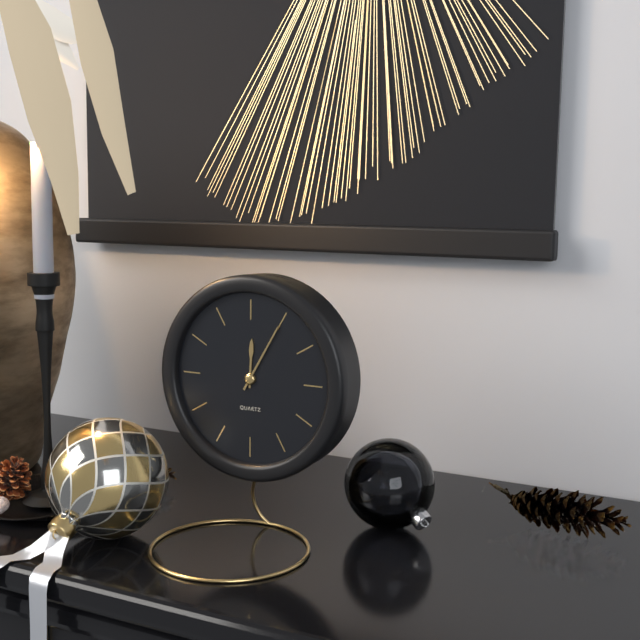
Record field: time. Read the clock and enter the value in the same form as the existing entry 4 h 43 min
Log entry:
12 h 05 min
